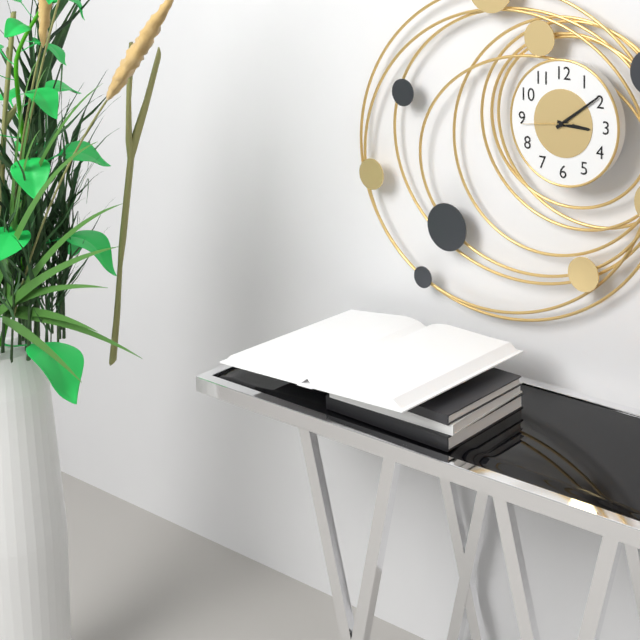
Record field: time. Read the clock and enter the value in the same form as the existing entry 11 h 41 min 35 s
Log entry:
3 h 09 min 44 s
